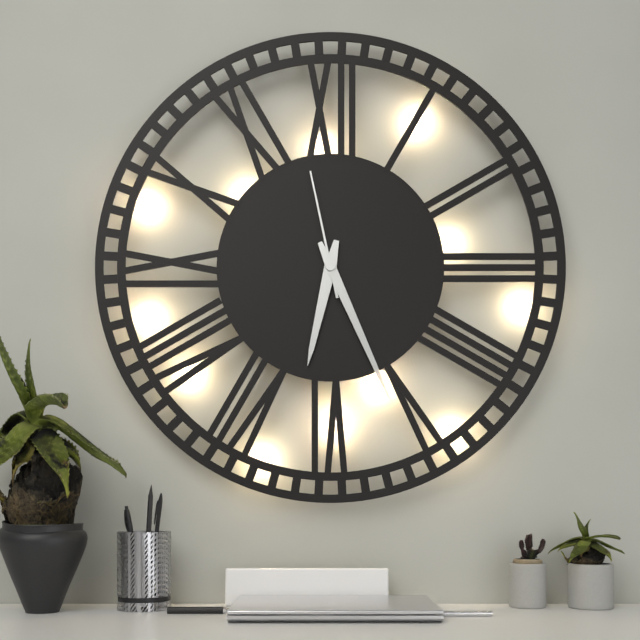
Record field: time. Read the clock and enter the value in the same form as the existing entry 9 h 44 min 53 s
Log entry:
6 h 26 min 58 s
